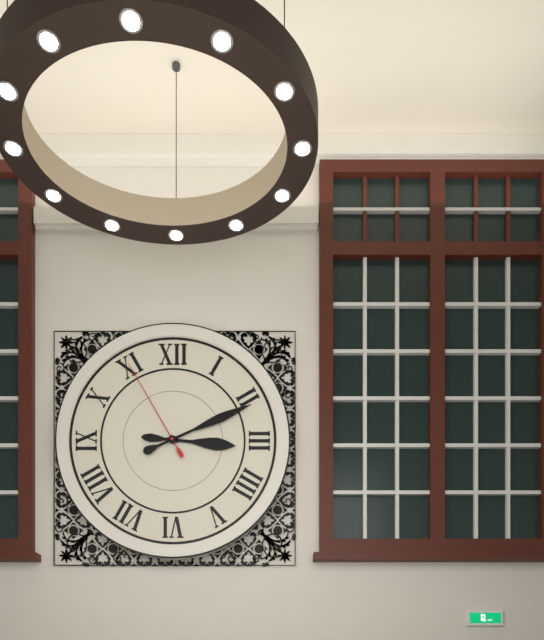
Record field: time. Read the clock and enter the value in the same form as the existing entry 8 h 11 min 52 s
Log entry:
3 h 11 min 55 s
